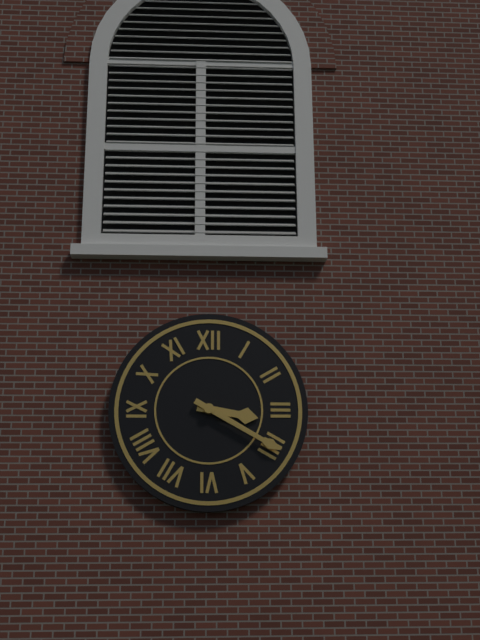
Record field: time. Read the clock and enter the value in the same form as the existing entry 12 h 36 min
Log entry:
3 h 20 min
